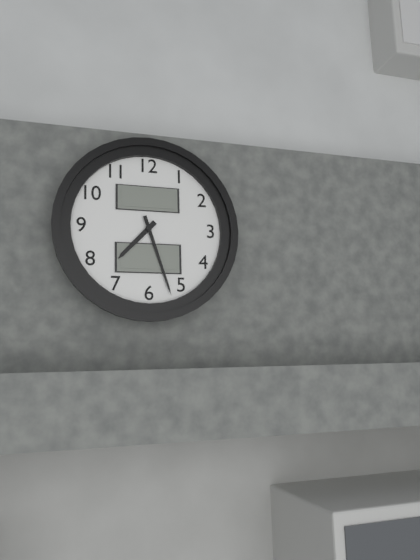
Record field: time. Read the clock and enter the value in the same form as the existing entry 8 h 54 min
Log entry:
7 h 27 min
